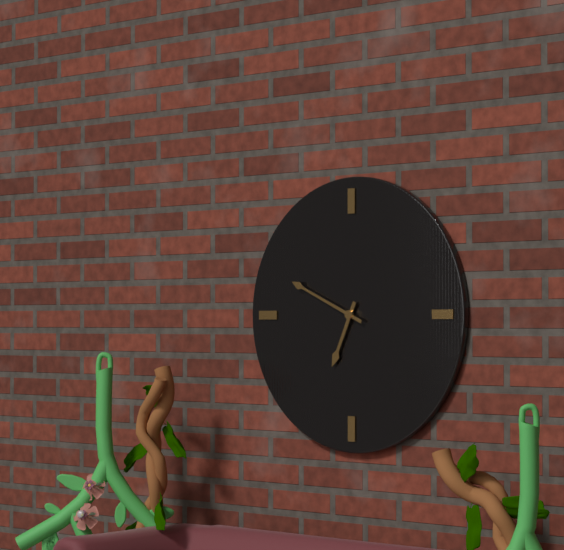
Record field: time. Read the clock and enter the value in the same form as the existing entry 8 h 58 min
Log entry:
6 h 49 min
